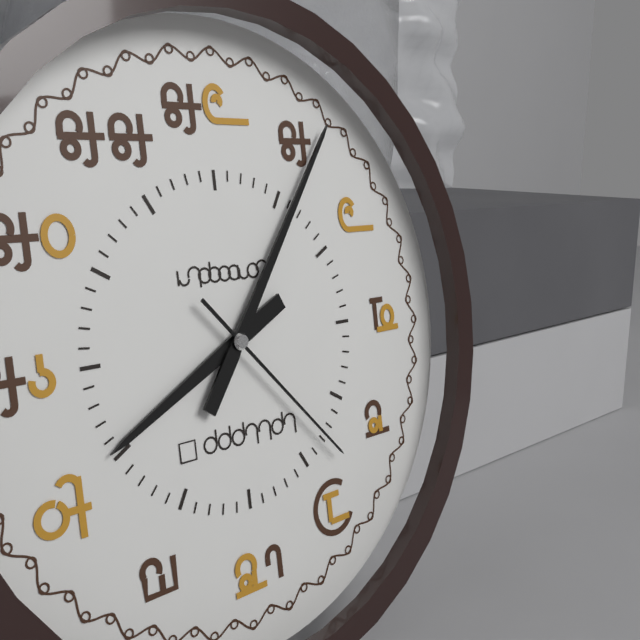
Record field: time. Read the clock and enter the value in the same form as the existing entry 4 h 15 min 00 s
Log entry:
8 h 06 min 23 s
